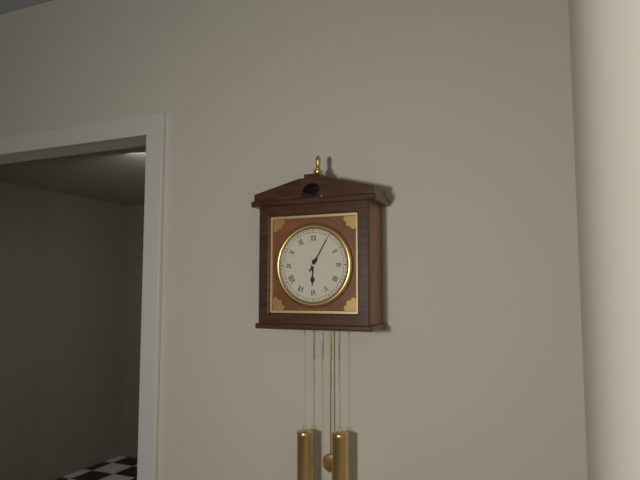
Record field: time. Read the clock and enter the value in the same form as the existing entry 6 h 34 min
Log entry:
6 h 05 min
